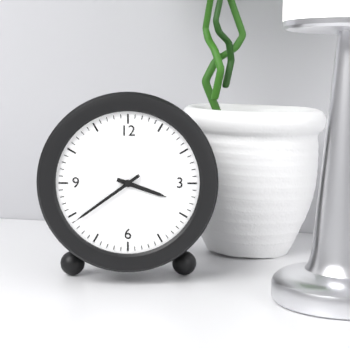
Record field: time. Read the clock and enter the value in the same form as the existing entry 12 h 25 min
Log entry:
3 h 39 min
